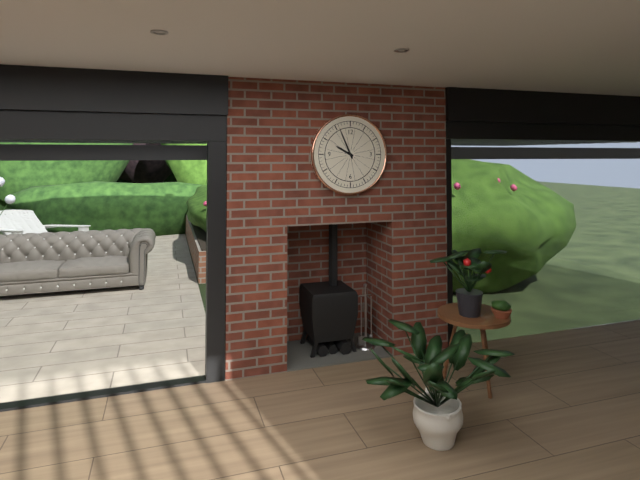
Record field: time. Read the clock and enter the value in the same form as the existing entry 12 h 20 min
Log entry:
9 h 56 min
